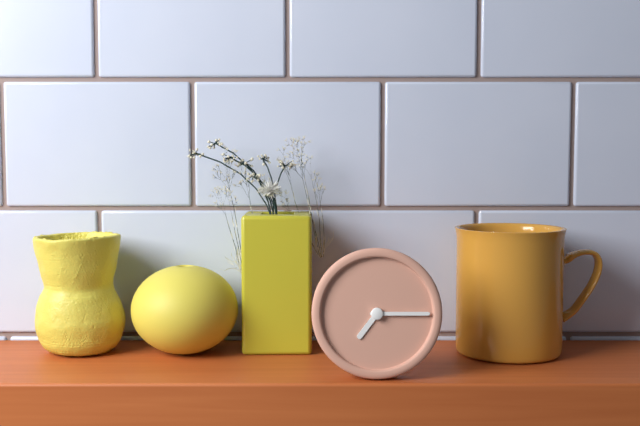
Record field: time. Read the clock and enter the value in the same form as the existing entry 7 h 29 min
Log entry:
7 h 15 min
